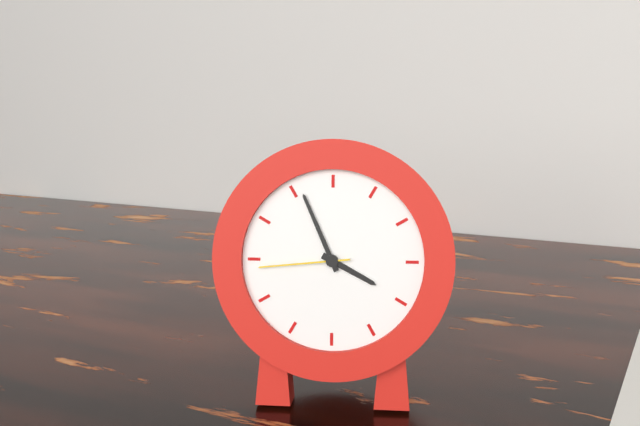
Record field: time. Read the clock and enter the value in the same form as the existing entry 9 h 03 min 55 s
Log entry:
3 h 56 min 44 s
